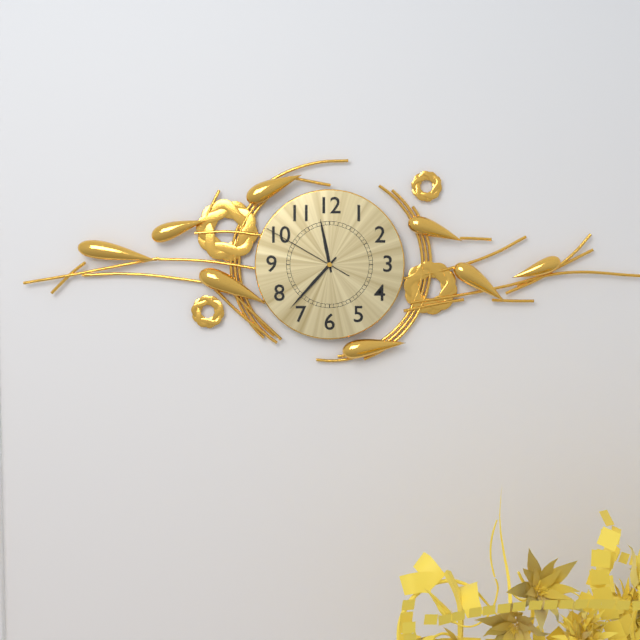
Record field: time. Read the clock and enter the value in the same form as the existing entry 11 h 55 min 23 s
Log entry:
11 h 37 min 50 s
